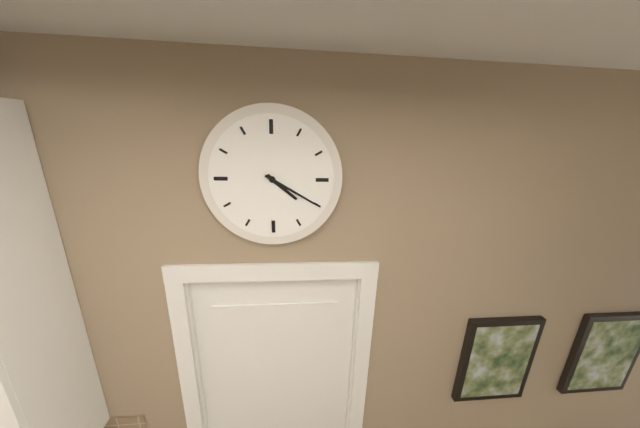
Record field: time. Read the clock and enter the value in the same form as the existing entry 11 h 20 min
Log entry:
4 h 20 min
